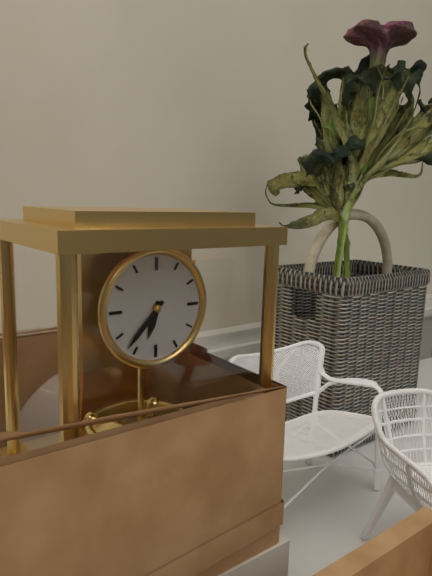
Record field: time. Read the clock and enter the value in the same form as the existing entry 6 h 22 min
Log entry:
6 h 37 min
